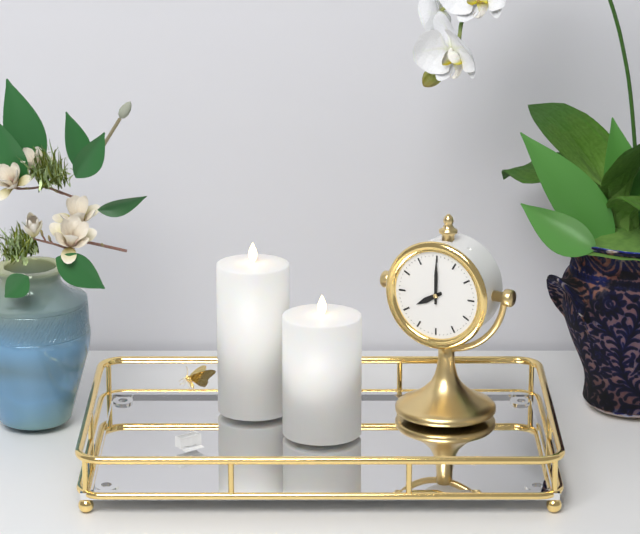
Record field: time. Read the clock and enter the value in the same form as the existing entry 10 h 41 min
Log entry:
8 h 00 min
